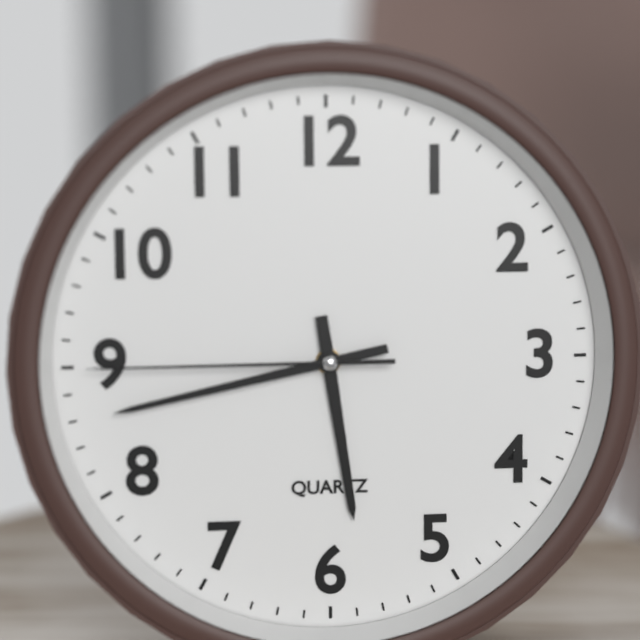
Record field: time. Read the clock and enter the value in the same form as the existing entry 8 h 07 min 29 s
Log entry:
5 h 43 min 45 s
